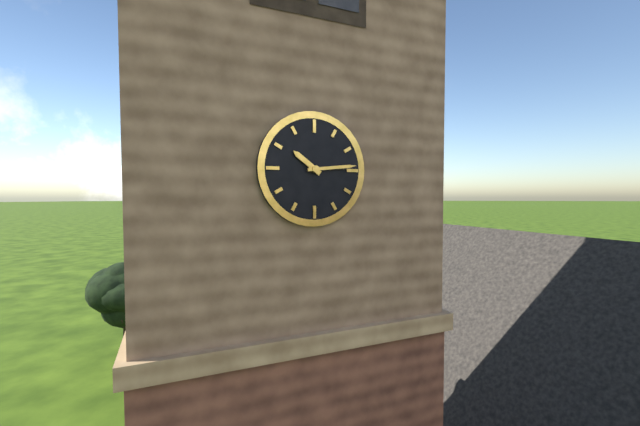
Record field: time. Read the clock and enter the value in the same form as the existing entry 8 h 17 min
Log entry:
10 h 14 min
